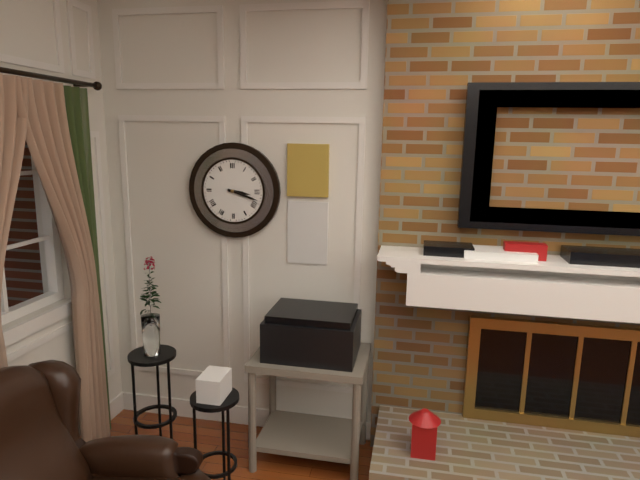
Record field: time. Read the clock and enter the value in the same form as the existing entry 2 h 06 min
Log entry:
3 h 18 min
